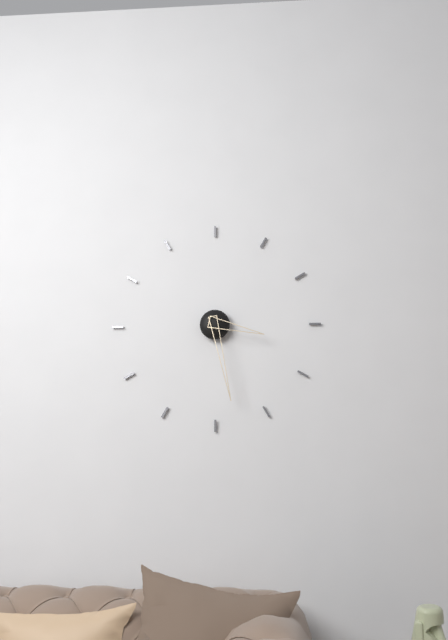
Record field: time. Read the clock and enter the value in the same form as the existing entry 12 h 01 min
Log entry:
3 h 28 min
